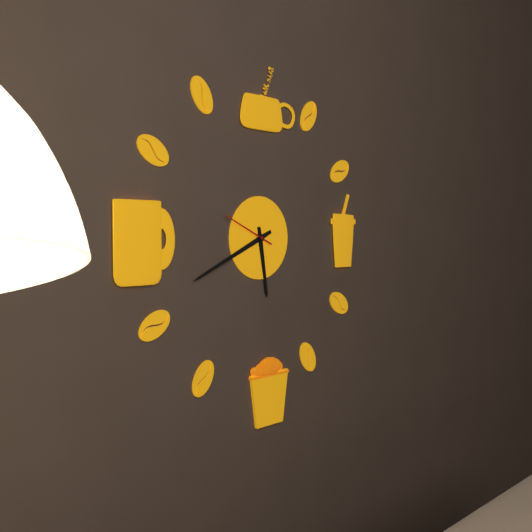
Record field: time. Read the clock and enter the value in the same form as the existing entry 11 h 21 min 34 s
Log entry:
5 h 41 min 49 s
